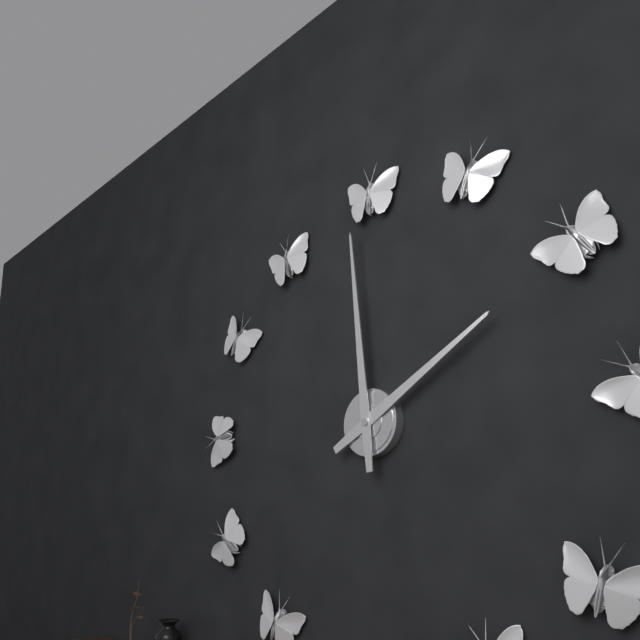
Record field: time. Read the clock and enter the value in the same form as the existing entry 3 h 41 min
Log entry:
1 h 59 min
